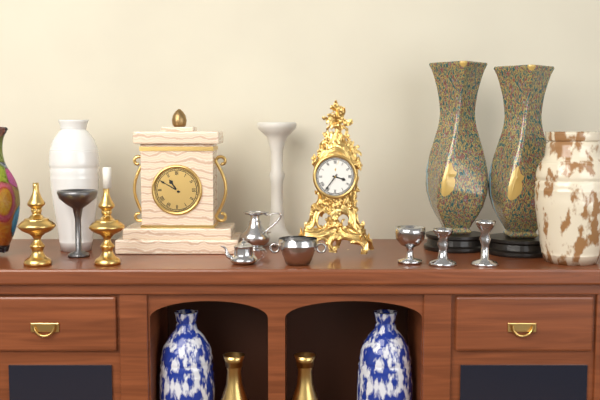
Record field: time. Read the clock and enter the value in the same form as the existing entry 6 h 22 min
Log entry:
3 h 36 min
